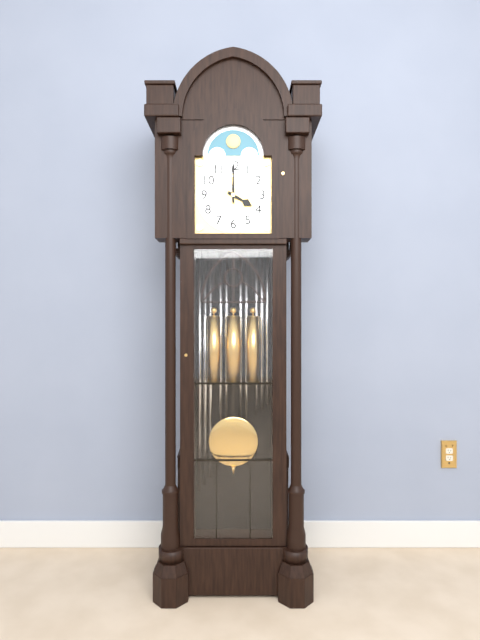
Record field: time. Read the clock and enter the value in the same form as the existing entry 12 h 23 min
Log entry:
4 h 00 min
